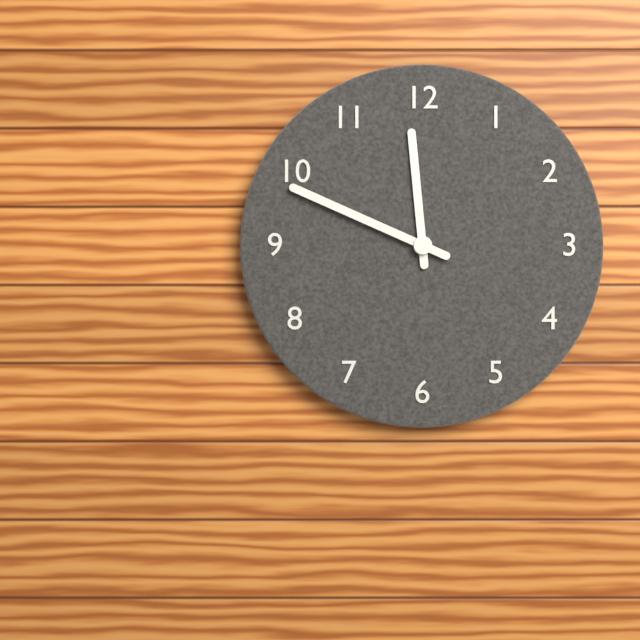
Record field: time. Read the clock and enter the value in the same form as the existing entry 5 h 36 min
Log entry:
11 h 49 min
